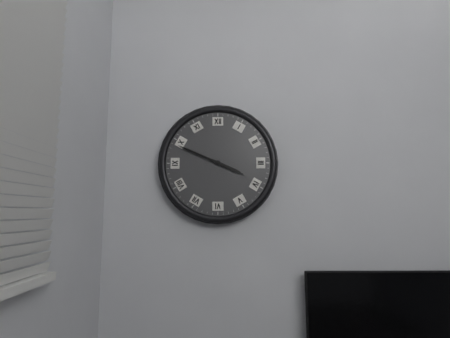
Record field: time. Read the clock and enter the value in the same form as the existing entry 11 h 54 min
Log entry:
3 h 49 min
